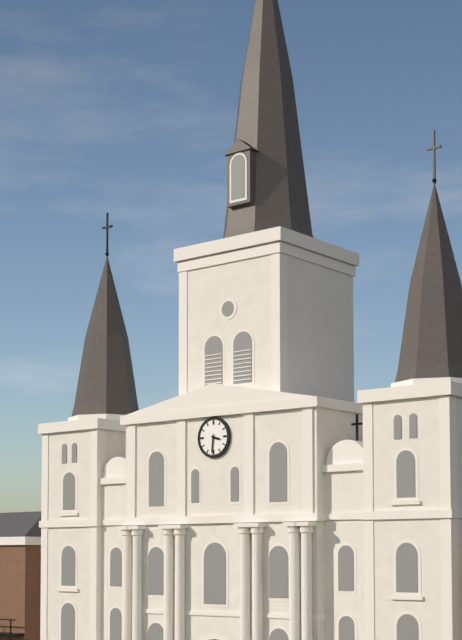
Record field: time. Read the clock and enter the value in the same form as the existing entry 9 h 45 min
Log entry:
3 h 31 min
